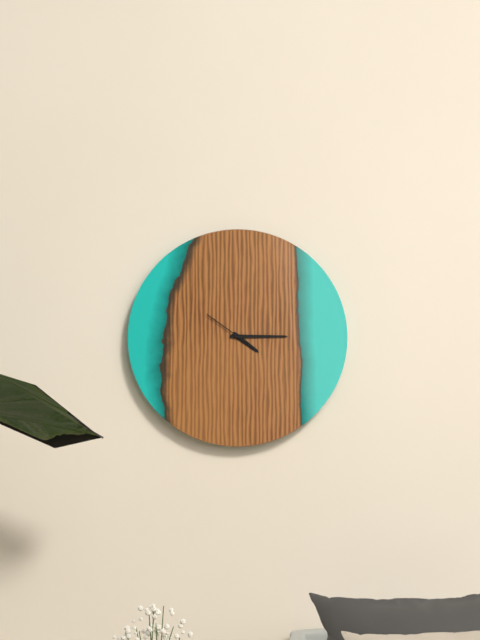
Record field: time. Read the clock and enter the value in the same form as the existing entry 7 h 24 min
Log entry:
4 h 15 min
